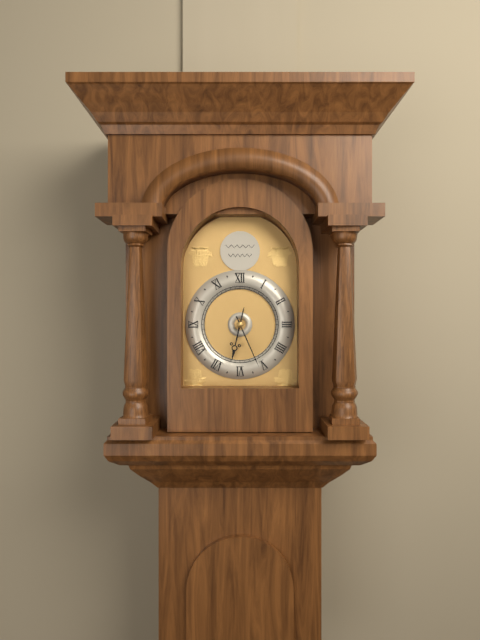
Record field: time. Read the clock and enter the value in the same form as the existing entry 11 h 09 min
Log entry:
6 h 26 min
